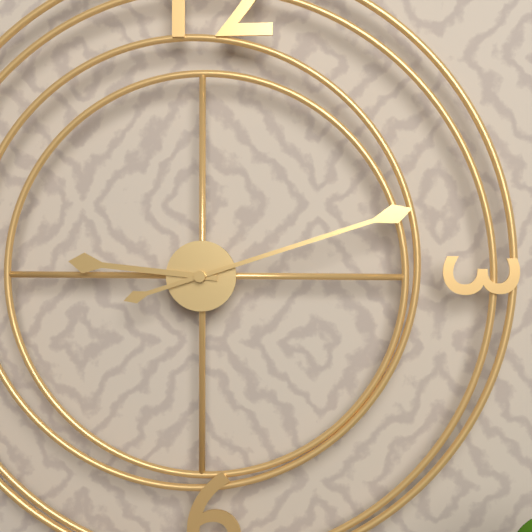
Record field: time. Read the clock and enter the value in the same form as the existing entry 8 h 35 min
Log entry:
9 h 12 min
